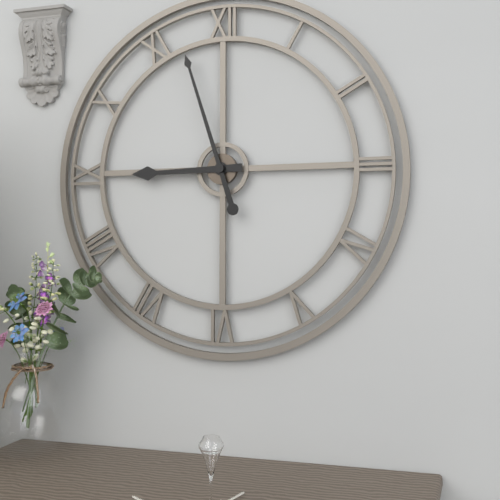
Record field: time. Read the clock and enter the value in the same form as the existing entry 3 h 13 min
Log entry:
8 h 57 min
